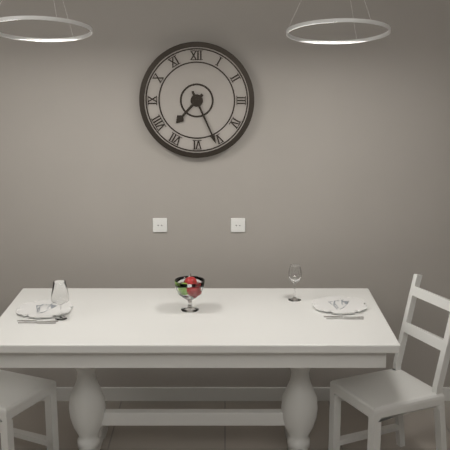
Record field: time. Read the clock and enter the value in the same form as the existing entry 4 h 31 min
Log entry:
7 h 26 min
